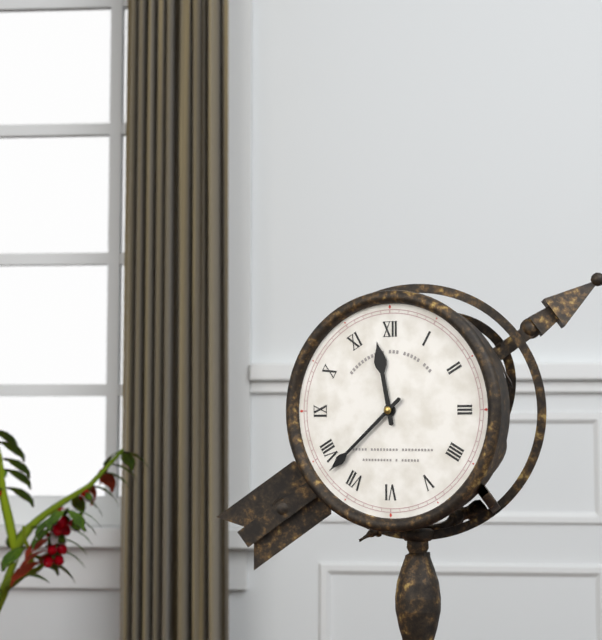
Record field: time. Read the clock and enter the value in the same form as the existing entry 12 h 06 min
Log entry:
11 h 38 min
